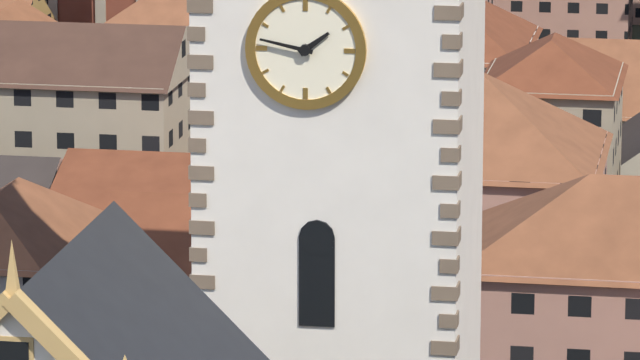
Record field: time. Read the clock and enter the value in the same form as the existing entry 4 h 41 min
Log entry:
1 h 47 min
